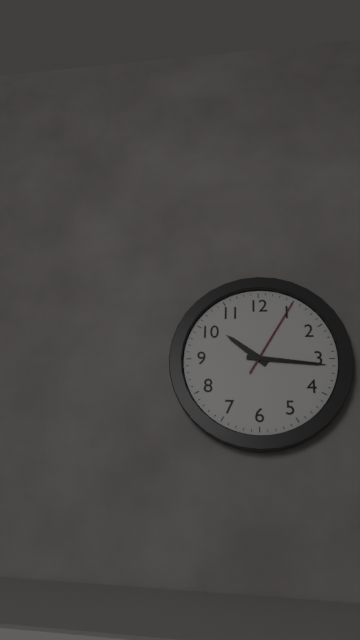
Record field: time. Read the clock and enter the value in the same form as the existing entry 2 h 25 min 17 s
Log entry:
10 h 16 min 05 s
